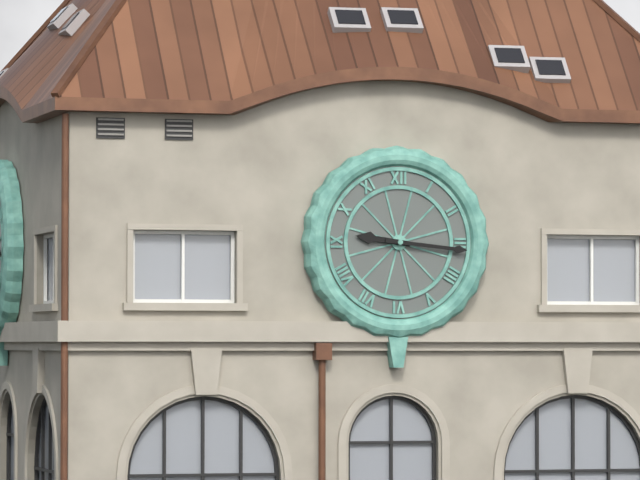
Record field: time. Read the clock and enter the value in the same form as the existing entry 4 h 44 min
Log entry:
9 h 16 min
